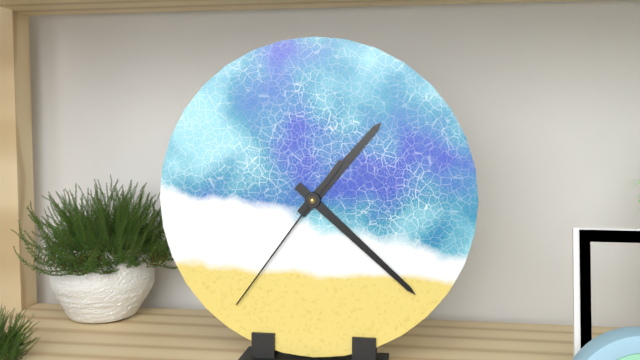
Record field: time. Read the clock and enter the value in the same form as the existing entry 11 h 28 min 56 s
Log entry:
1 h 22 min 36 s
